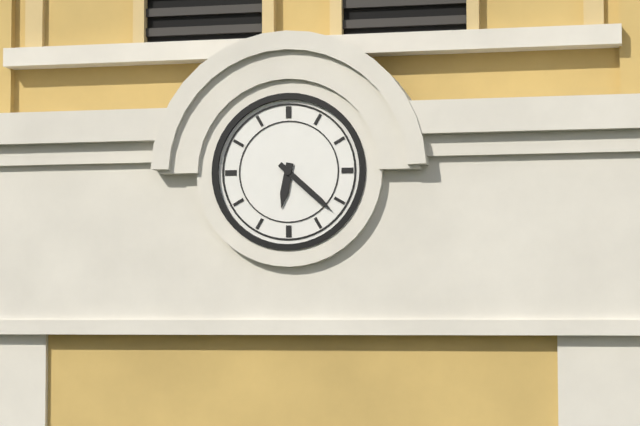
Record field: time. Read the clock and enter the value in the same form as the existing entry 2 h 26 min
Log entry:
6 h 22 min
